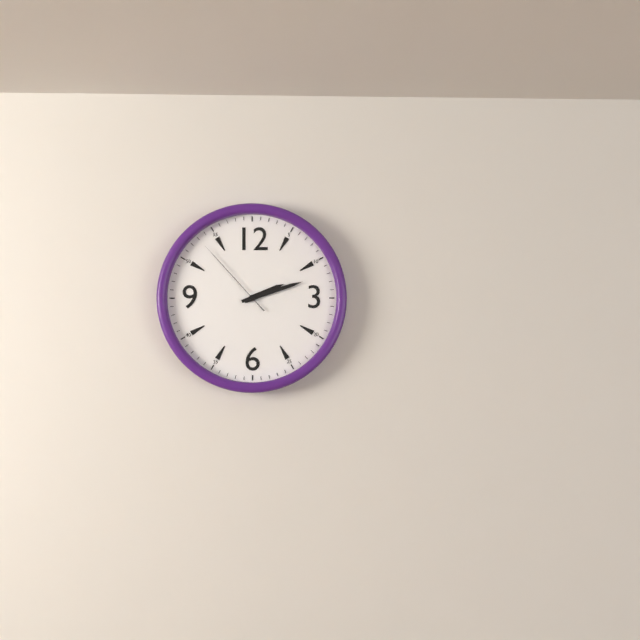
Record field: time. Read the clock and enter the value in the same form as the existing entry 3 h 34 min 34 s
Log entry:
2 h 12 min 53 s
